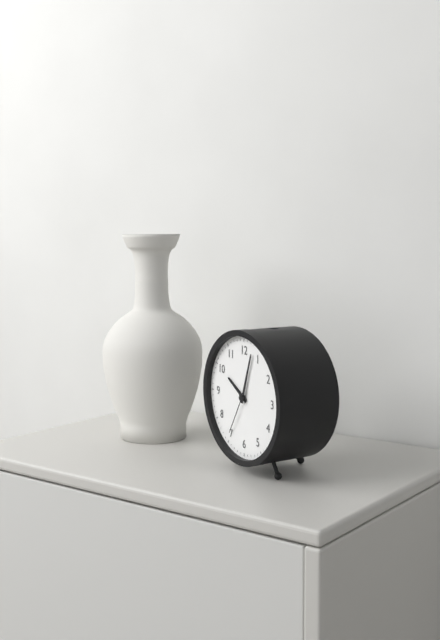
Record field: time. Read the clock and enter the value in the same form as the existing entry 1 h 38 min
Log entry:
10 h 03 min
